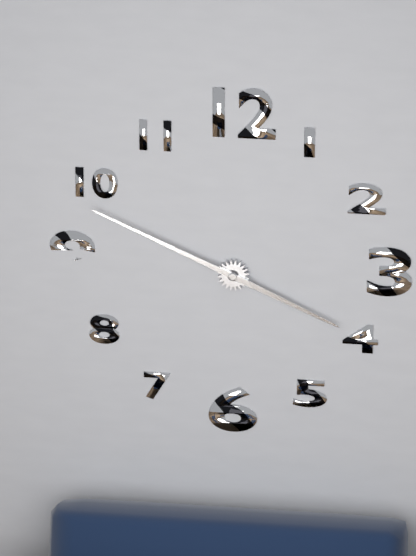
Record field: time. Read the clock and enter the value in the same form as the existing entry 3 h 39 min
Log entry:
3 h 49 min
